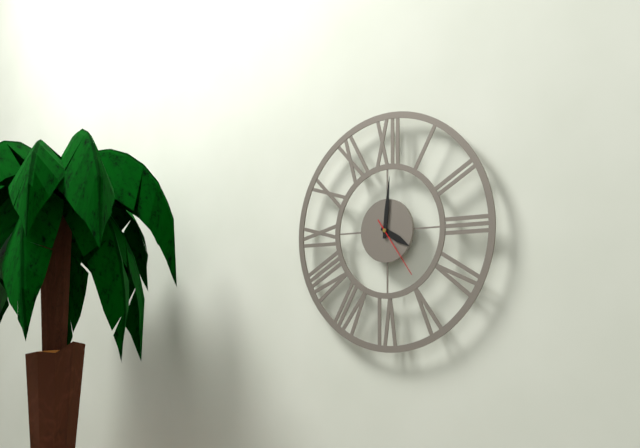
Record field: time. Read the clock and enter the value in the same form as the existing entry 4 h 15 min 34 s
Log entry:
4 h 01 min 24 s
